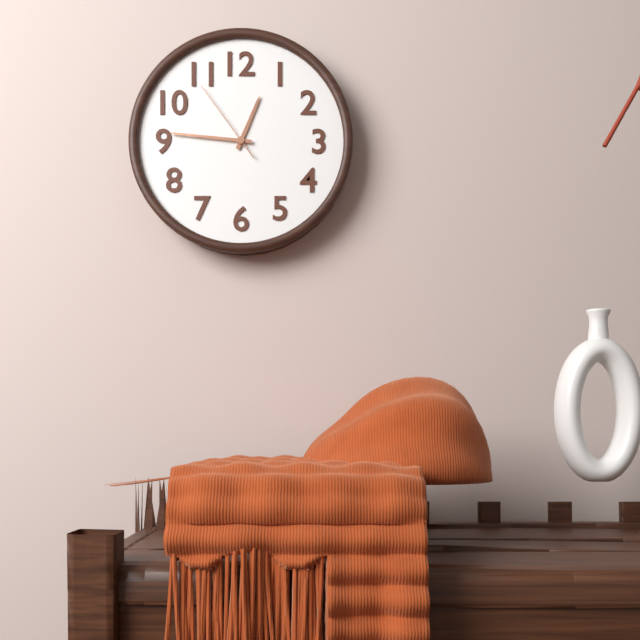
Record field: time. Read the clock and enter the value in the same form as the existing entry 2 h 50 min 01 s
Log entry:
12 h 46 min 54 s
